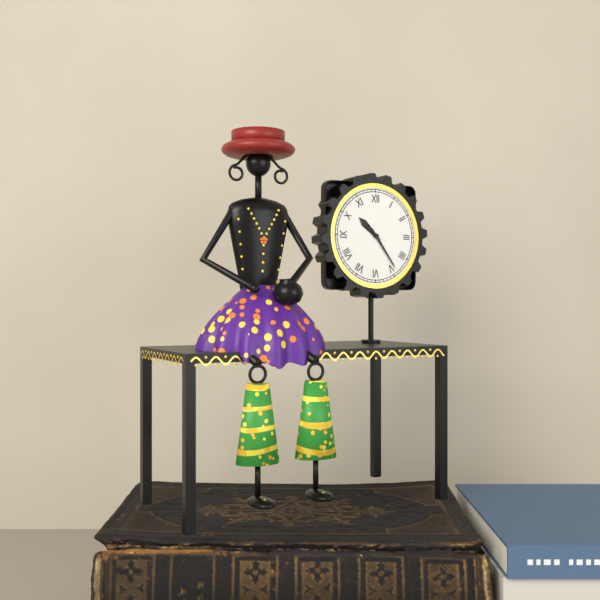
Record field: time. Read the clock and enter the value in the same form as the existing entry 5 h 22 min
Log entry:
10 h 24 min
